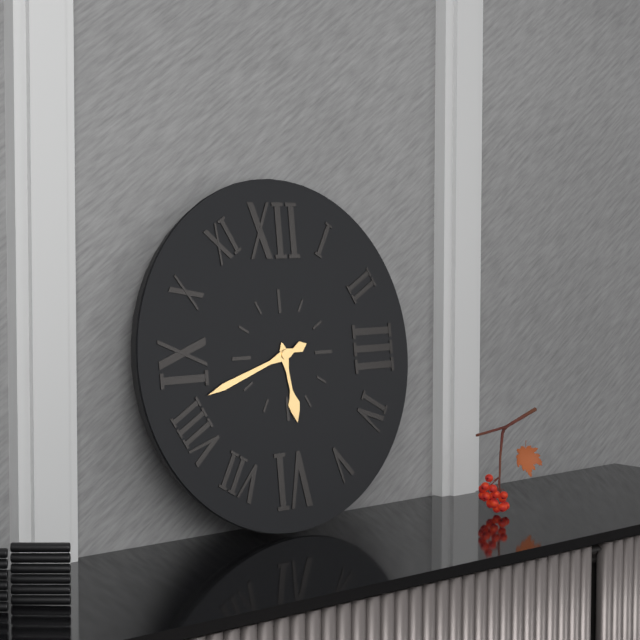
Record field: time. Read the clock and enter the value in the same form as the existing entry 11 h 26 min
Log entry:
5 h 42 min
